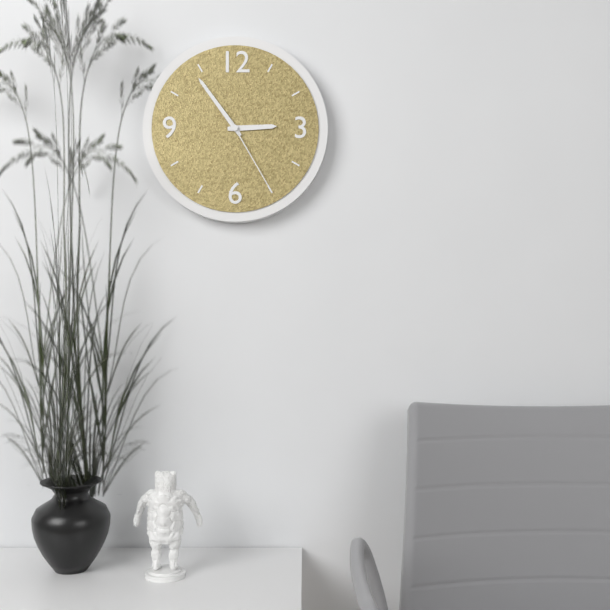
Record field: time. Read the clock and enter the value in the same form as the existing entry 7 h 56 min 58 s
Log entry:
2 h 54 min 25 s
